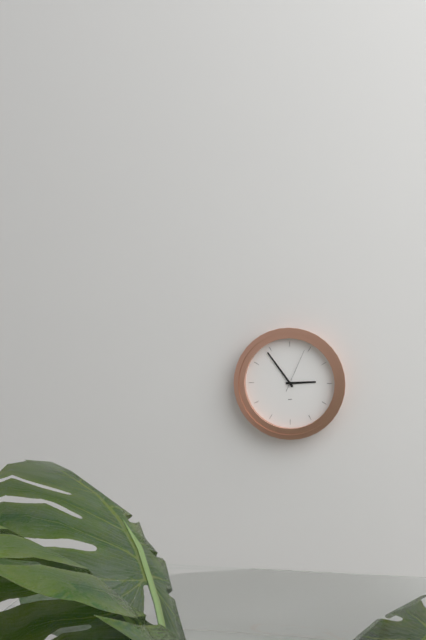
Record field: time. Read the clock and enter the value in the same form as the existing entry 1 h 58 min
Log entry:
2 h 54 min
